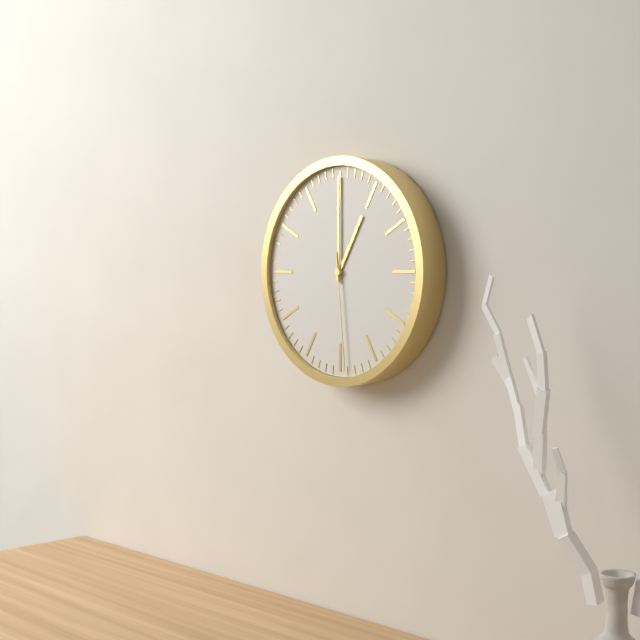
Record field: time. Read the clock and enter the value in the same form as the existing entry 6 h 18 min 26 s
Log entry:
1 h 00 min 29 s
